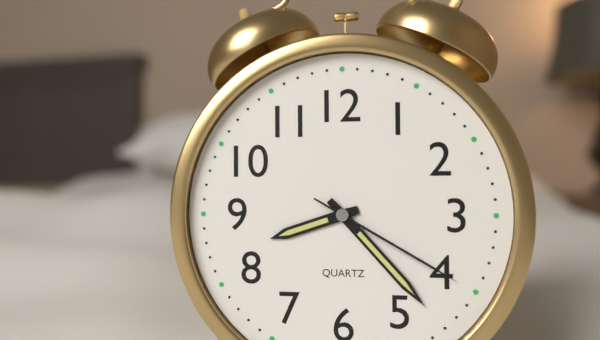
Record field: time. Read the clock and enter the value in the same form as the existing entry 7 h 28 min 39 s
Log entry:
8 h 23 min 20 s
